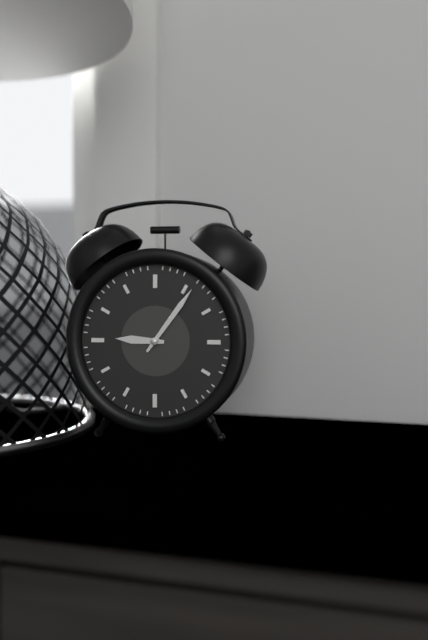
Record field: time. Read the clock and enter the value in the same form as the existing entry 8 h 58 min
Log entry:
9 h 06 min
